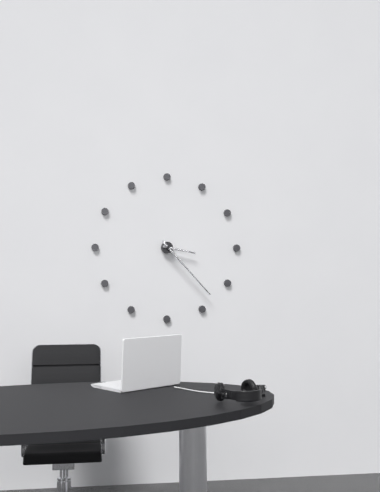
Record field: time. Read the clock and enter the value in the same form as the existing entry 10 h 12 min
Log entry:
3 h 23 min
